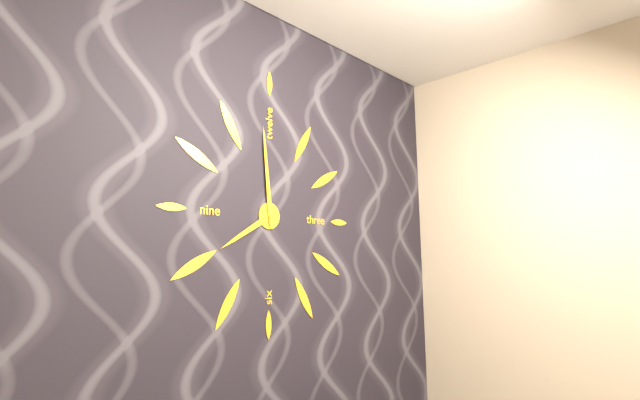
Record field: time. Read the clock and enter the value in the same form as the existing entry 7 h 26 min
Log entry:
7 h 59 min
